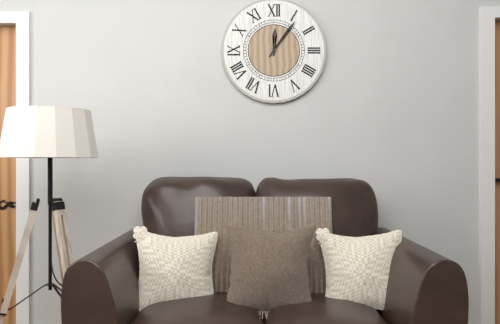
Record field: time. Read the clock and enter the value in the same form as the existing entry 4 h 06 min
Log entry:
12 h 06 min
